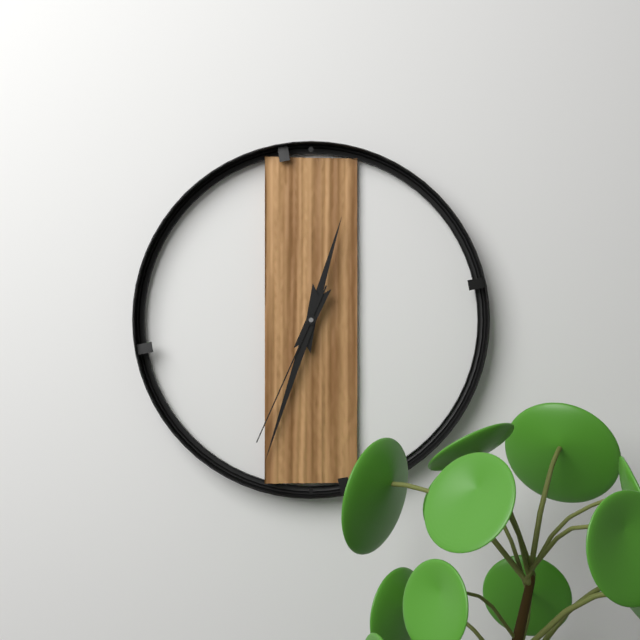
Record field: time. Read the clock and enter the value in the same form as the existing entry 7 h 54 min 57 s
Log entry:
12 h 33 min 34 s
